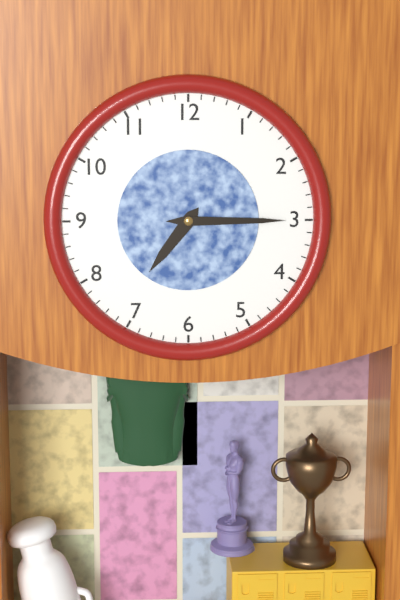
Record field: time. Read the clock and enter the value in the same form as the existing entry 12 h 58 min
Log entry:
7 h 15 min
